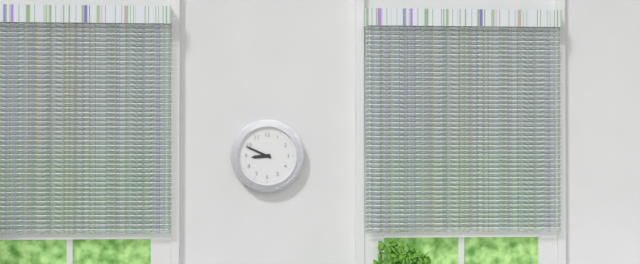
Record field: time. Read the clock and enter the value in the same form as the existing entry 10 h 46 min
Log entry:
8 h 49 min
